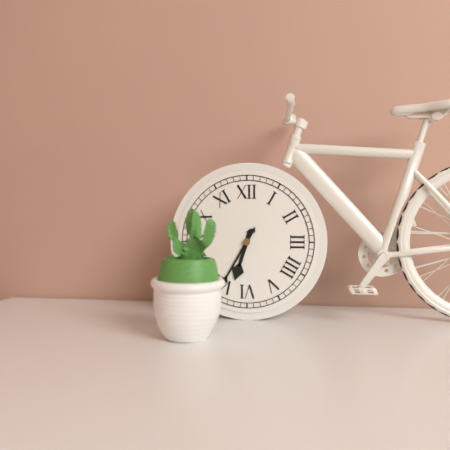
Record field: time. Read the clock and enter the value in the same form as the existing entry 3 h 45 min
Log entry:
6 h 35 min
